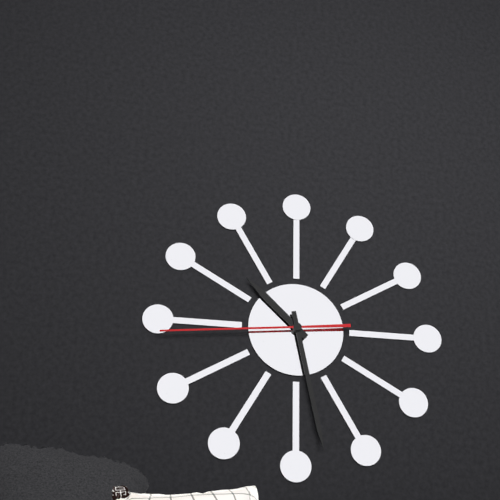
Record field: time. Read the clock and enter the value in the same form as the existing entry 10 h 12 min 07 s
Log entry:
10 h 28 min 44 s
